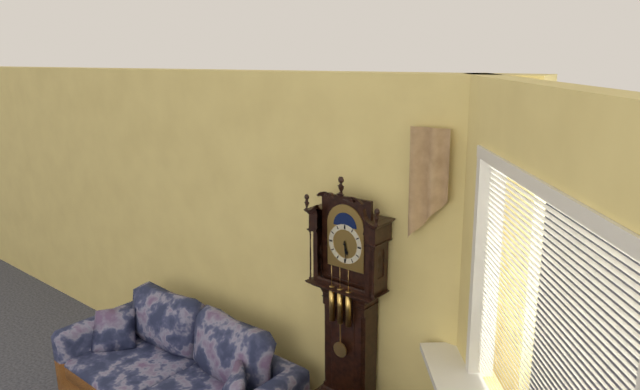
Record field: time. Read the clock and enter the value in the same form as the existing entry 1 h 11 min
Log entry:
5 h 29 min
